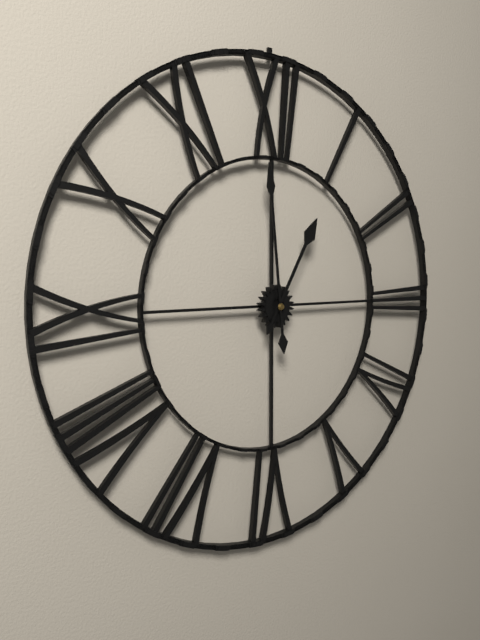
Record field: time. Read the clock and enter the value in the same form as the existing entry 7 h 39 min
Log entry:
12 h 59 min
